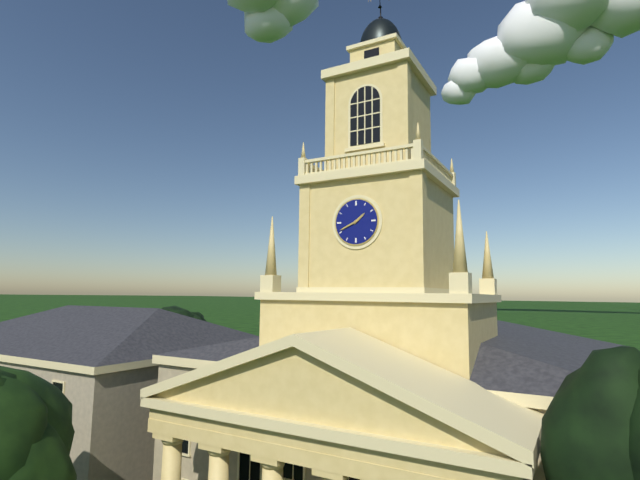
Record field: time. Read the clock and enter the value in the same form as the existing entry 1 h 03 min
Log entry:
1 h 41 min
